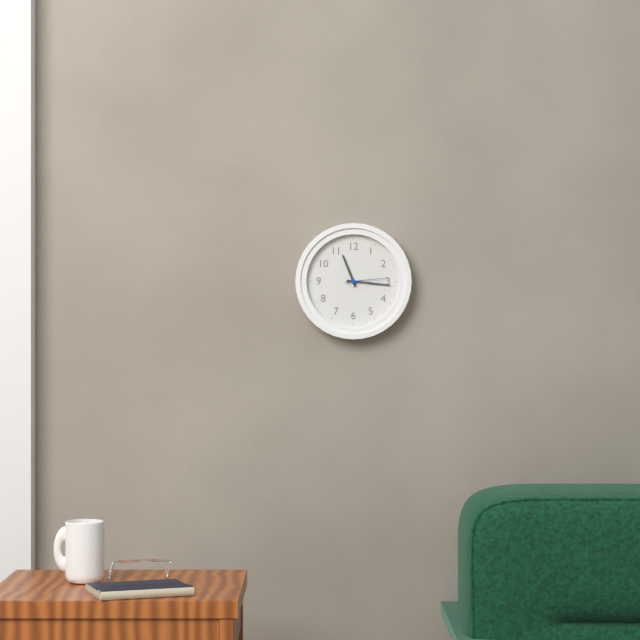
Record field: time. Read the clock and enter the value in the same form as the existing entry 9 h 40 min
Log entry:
11 h 16 min
